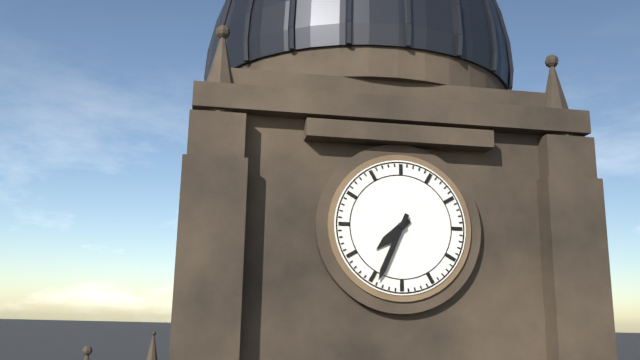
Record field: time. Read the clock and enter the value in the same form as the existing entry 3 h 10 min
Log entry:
7 h 34 min
